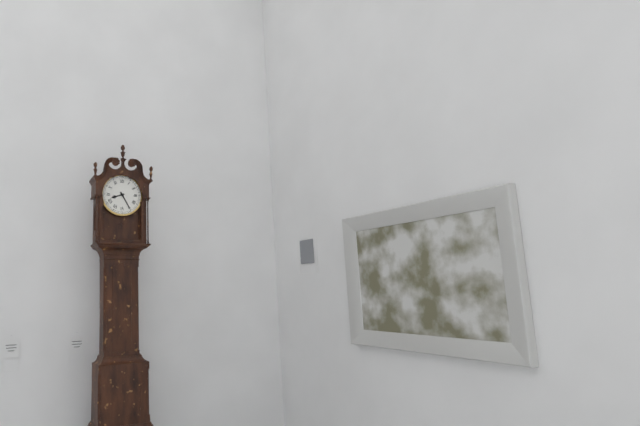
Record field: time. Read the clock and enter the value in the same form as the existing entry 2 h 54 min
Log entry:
8 h 25 min
